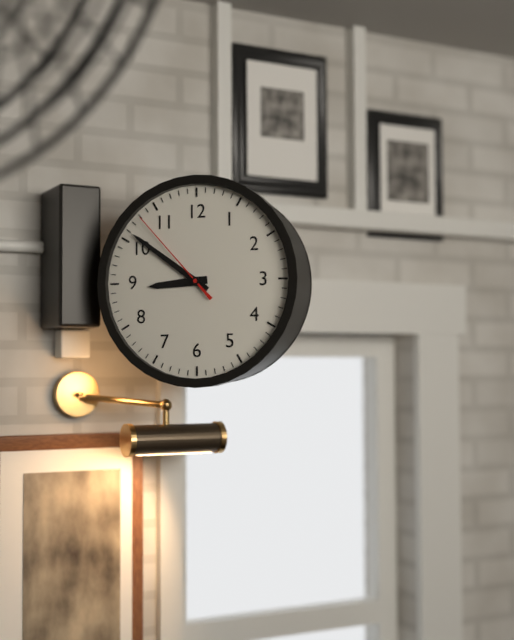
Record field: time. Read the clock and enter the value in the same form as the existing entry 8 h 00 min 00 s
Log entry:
8 h 51 min 53 s
